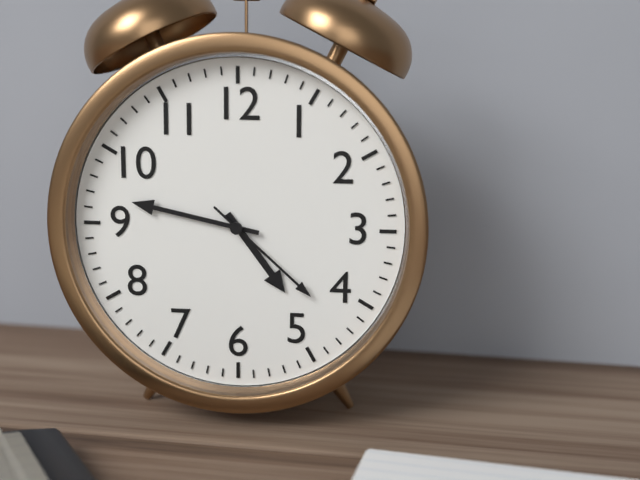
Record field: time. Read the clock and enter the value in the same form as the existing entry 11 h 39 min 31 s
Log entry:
4 h 47 min 22 s
